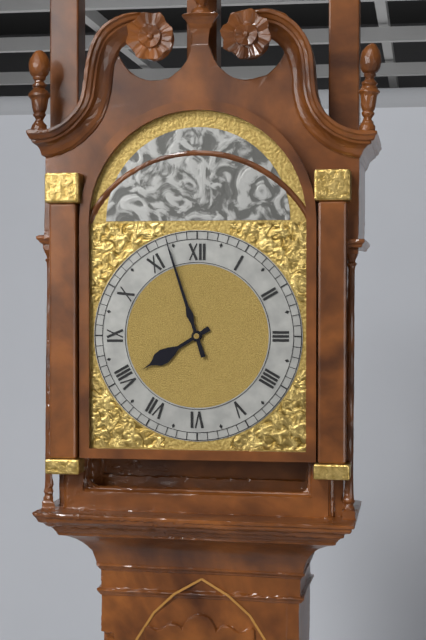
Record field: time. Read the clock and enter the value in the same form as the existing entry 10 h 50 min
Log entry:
7 h 57 min
